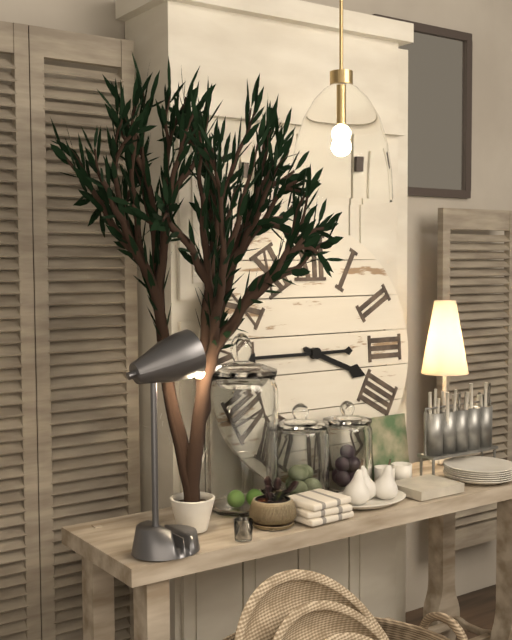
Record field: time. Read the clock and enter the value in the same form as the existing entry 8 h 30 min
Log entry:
3 h 45 min
